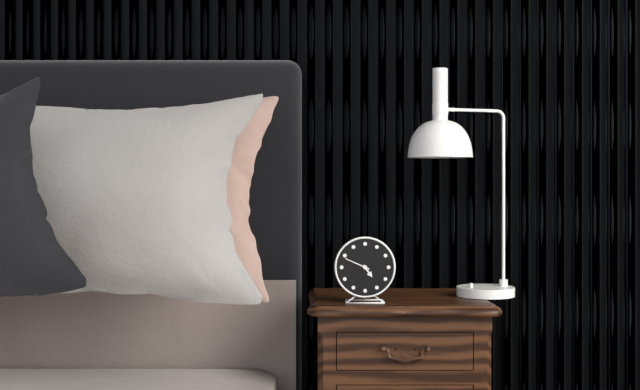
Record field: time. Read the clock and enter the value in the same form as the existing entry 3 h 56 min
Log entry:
4 h 49 min
